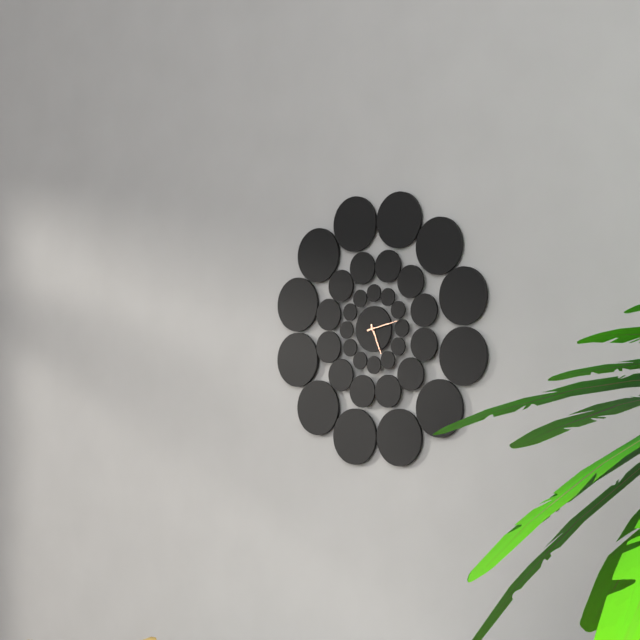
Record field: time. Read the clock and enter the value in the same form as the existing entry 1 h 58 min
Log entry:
5 h 13 min
